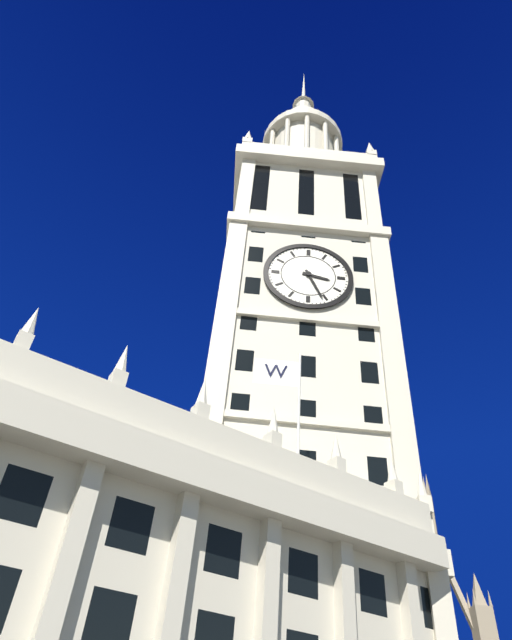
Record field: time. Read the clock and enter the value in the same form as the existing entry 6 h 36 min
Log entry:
3 h 26 min
